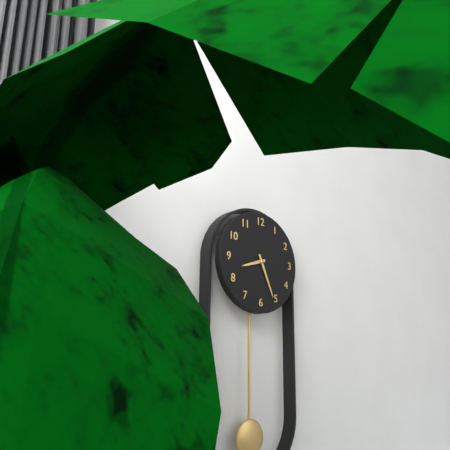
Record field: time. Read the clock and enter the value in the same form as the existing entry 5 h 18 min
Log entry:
8 h 26 min
